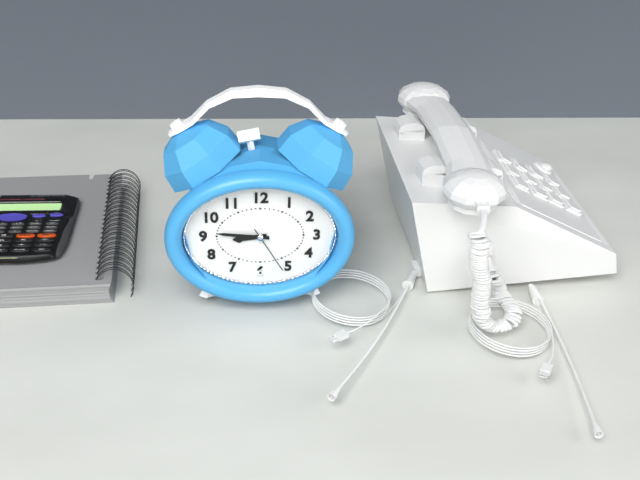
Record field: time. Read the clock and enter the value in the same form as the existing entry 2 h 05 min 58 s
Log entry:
8 h 46 min 25 s
